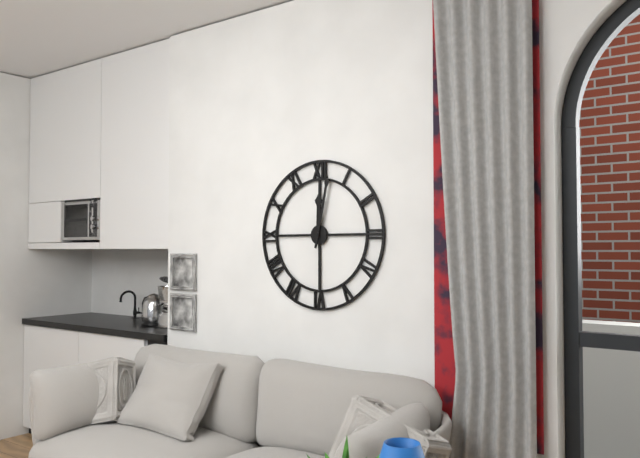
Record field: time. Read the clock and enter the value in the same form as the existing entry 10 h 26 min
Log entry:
12 h 02 min
